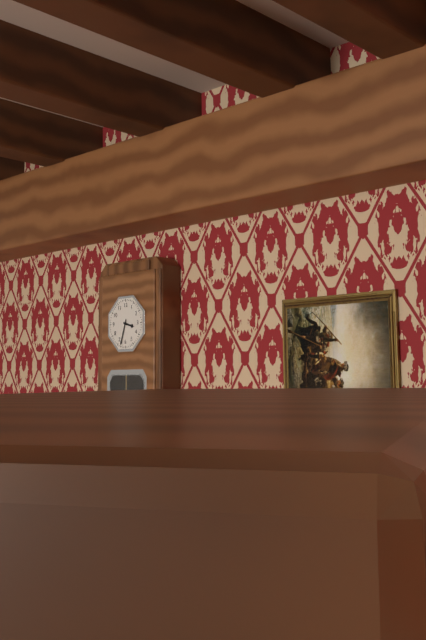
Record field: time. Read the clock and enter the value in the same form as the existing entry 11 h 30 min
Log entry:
3 h 33 min
